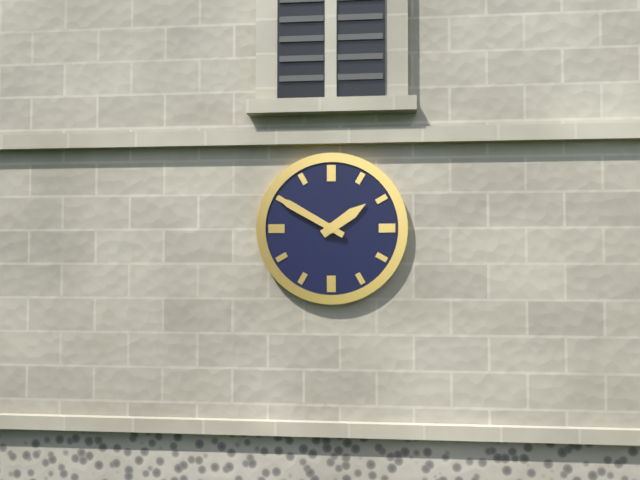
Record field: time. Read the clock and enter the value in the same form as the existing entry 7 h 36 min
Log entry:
1 h 50 min
